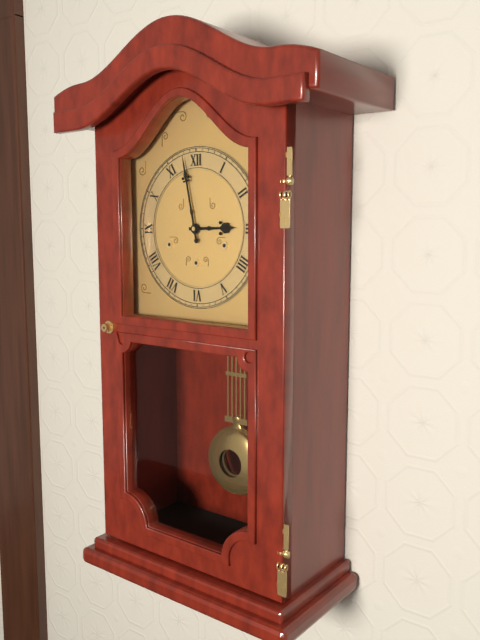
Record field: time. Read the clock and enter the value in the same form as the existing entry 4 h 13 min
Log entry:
2 h 58 min
